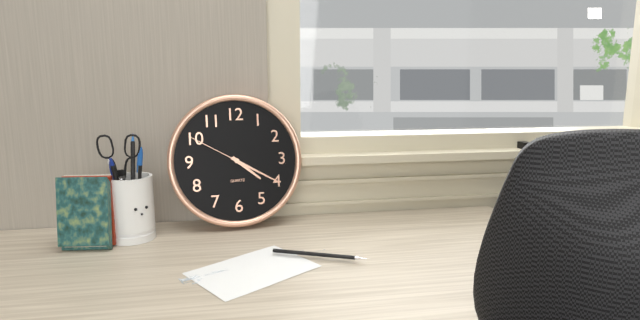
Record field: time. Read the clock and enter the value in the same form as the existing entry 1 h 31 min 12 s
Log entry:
4 h 20 min 50 s
